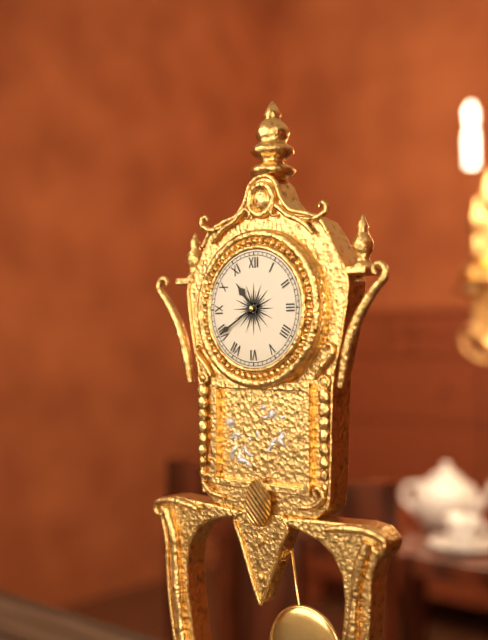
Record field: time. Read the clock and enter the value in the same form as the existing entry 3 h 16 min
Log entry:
10 h 40 min
